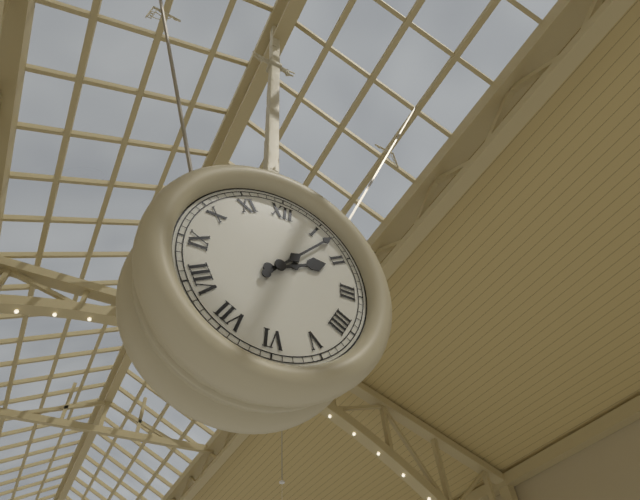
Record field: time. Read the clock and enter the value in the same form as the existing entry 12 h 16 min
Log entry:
2 h 07 min
